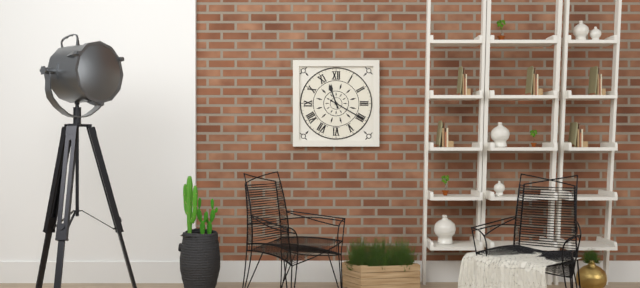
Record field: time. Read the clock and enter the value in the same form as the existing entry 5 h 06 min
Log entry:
11 h 20 min
